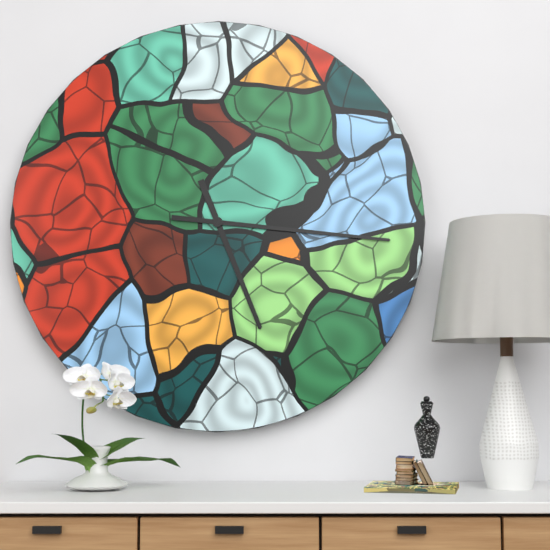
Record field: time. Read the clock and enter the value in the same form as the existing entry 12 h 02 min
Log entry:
5 h 16 min
